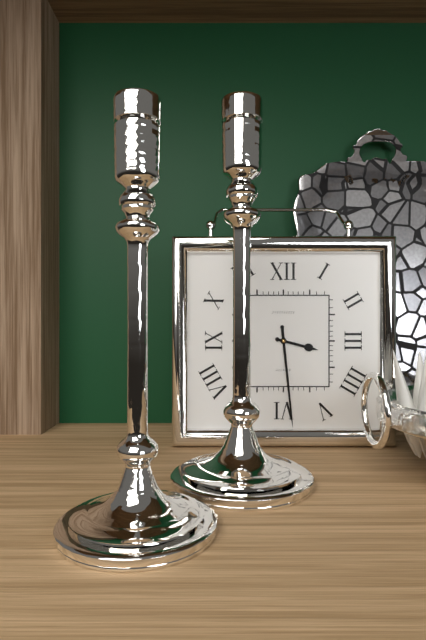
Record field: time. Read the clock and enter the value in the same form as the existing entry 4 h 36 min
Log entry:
3 h 29 min
